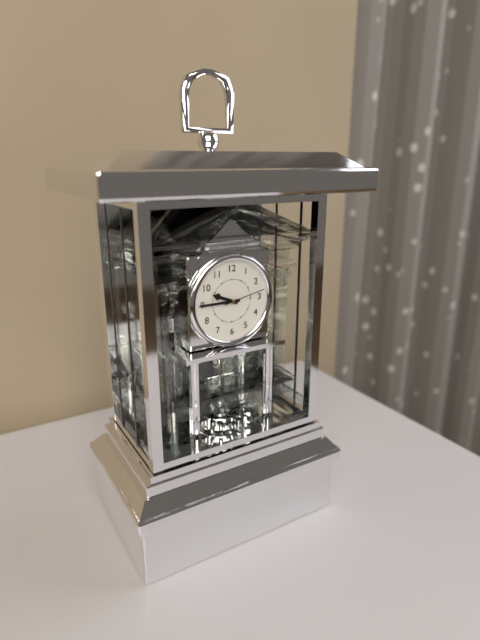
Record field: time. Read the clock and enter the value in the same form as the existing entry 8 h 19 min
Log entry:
9 h 45 min
